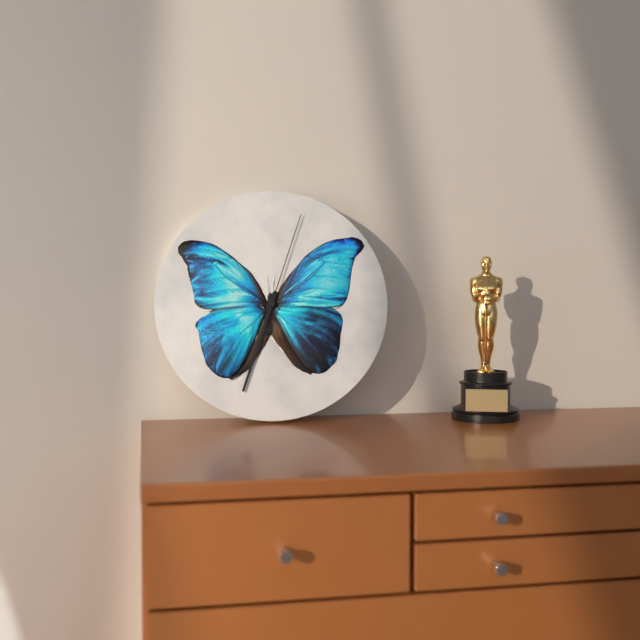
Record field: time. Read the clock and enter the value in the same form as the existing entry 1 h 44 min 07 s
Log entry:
6 h 33 min 03 s
